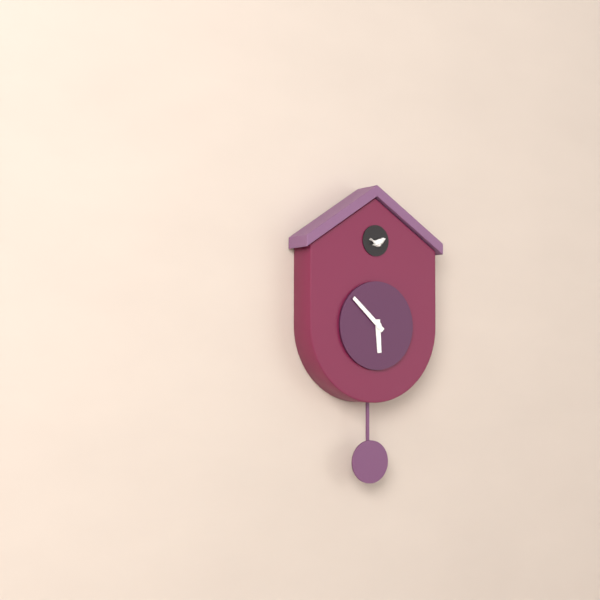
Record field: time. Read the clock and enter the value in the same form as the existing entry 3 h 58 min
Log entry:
5 h 52 min
